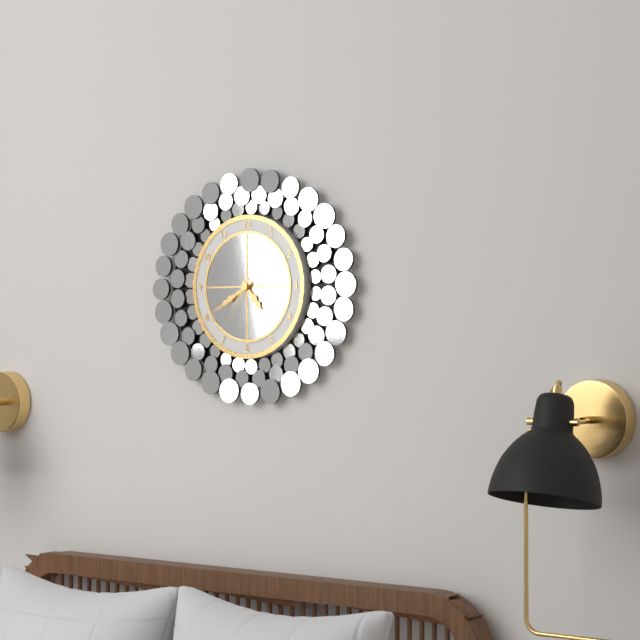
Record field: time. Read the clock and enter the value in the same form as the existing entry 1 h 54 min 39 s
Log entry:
4 h 40 min 36 s
